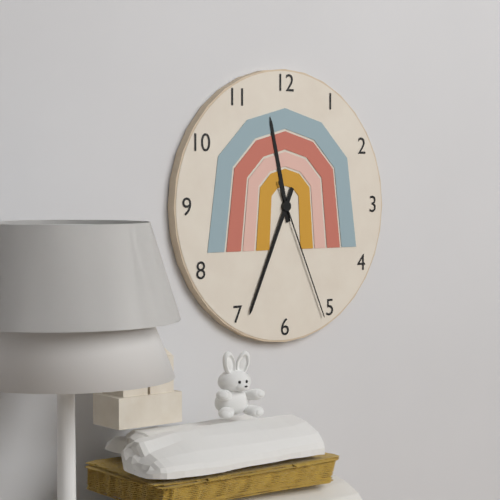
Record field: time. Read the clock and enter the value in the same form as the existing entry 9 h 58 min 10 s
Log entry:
11 h 34 min 26 s
